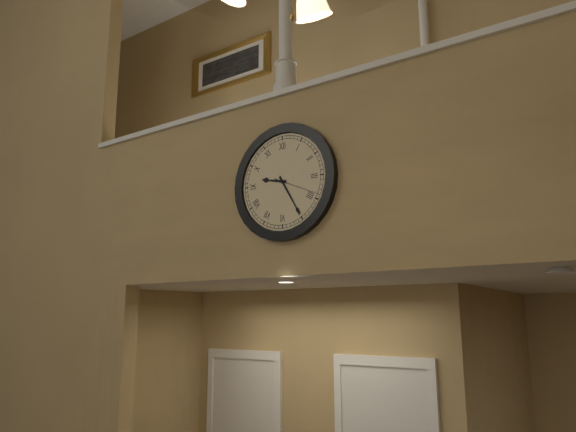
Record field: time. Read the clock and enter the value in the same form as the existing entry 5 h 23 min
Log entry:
9 h 25 min
